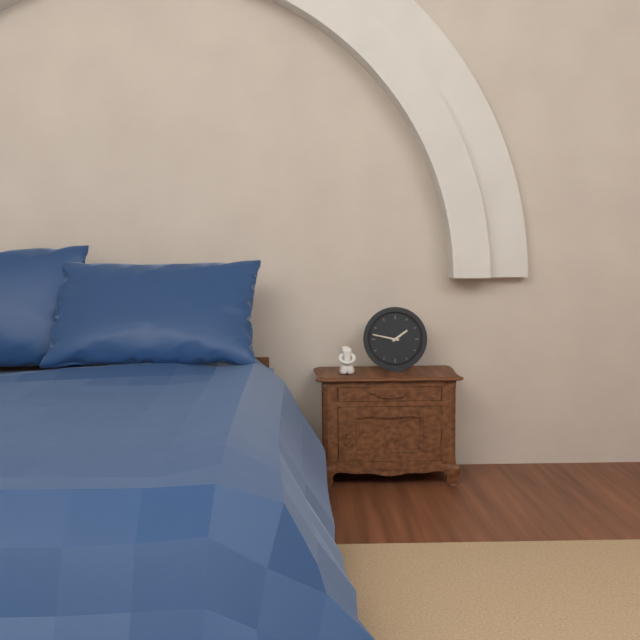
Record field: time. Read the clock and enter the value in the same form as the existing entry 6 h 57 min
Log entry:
1 h 47 min
